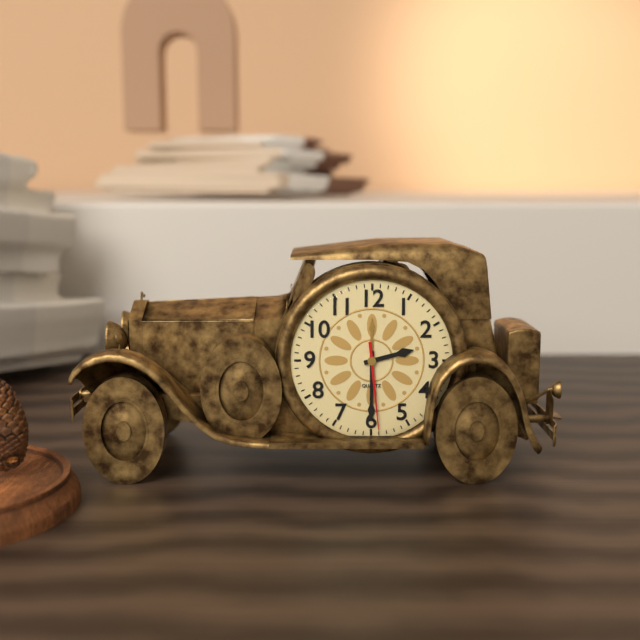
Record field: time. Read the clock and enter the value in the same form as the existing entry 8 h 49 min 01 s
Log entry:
2 h 30 min 29 s
